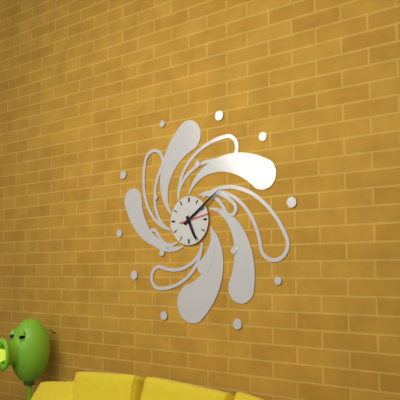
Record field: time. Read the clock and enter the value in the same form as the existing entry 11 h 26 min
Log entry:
5 h 09 min
